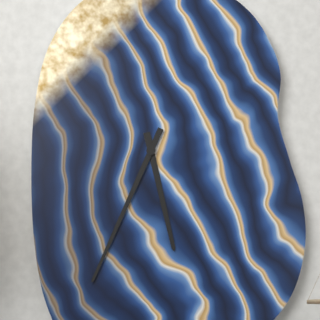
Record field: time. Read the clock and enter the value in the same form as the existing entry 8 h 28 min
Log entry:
5 h 34 min
